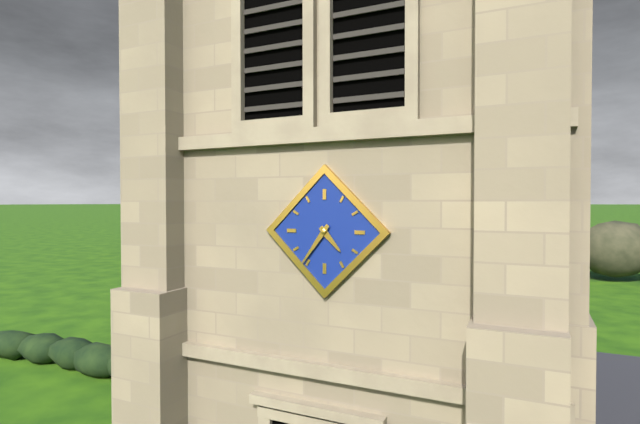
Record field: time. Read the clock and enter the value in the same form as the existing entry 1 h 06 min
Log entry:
4 h 36 min
